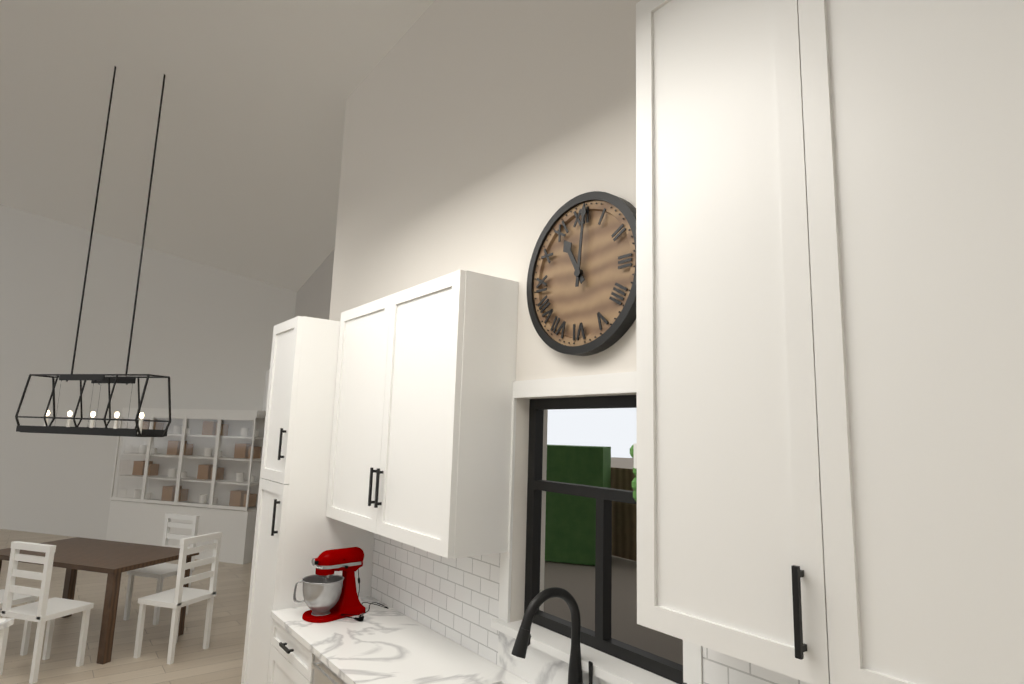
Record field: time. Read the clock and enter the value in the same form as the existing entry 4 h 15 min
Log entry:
11 h 01 min
